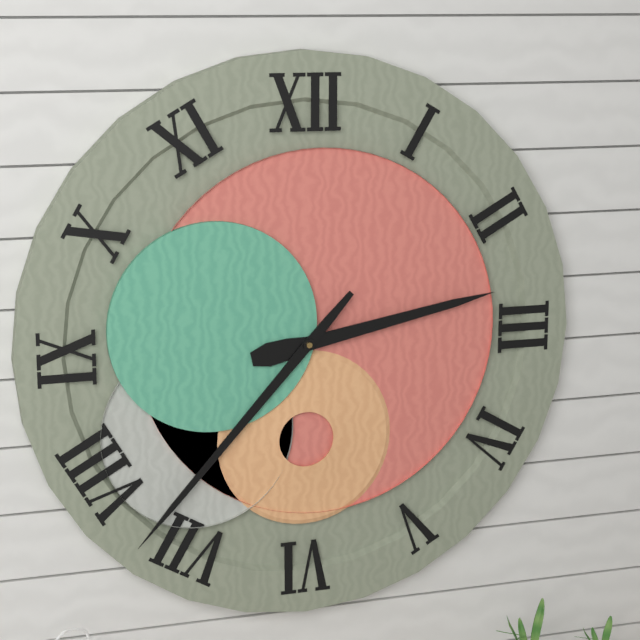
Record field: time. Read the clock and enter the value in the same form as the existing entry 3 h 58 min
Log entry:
2 h 37 min
